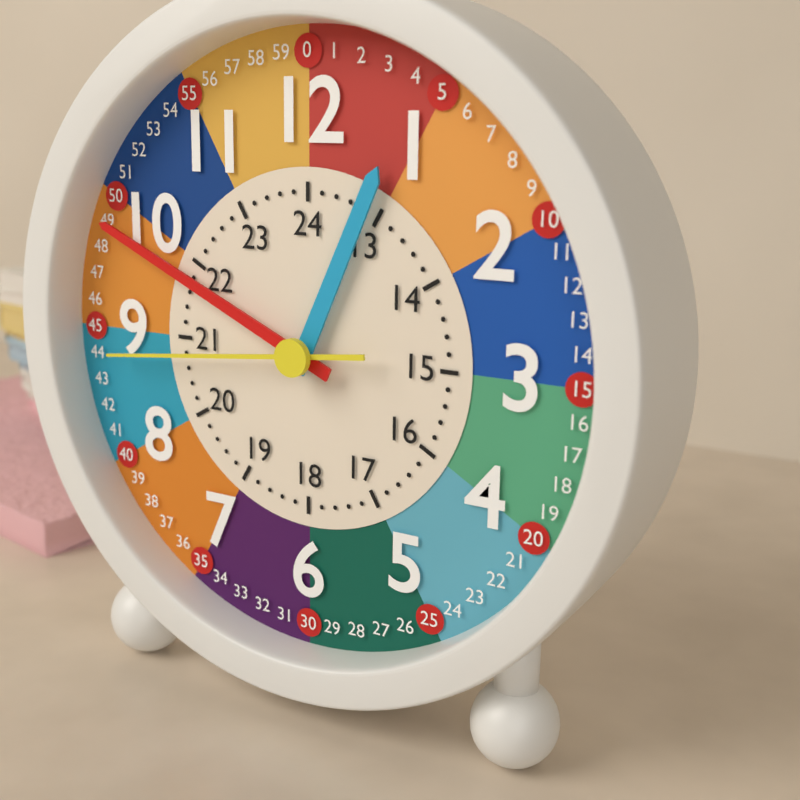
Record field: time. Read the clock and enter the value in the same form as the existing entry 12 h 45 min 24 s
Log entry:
12 h 49 min 44 s
